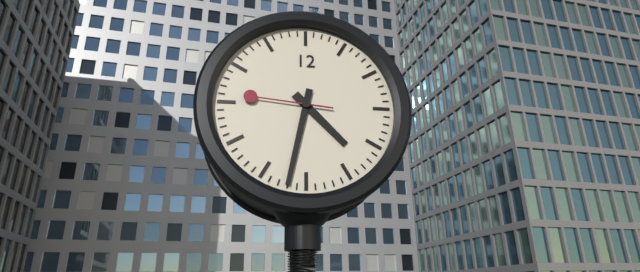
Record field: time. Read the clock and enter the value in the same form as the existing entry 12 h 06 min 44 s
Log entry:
4 h 32 min 46 s
